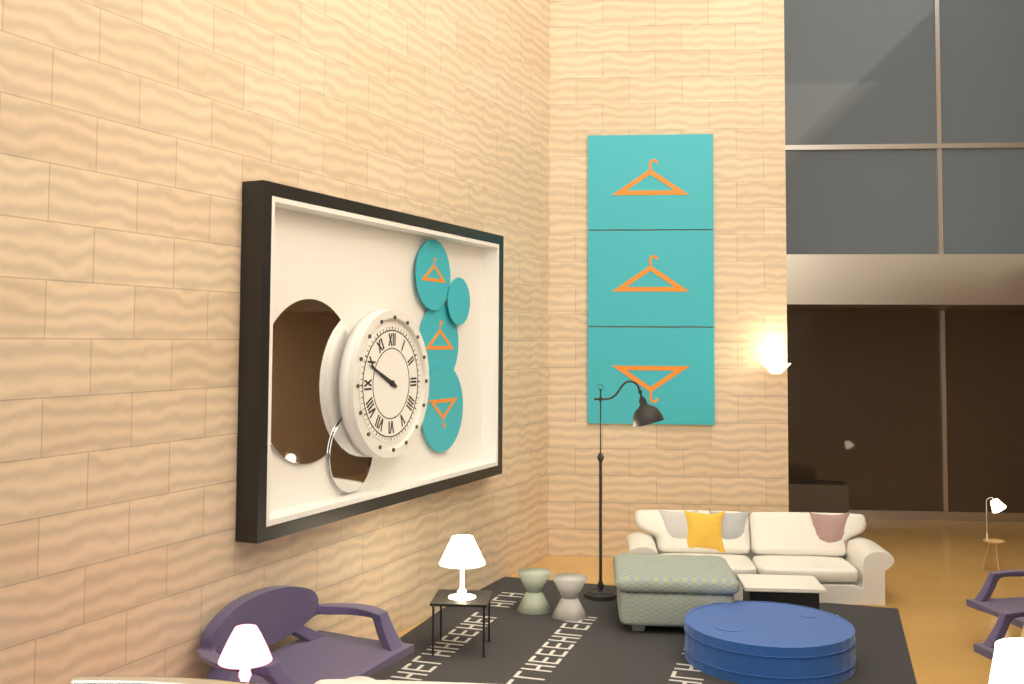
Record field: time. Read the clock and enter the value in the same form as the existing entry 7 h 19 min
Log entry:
9 h 49 min
